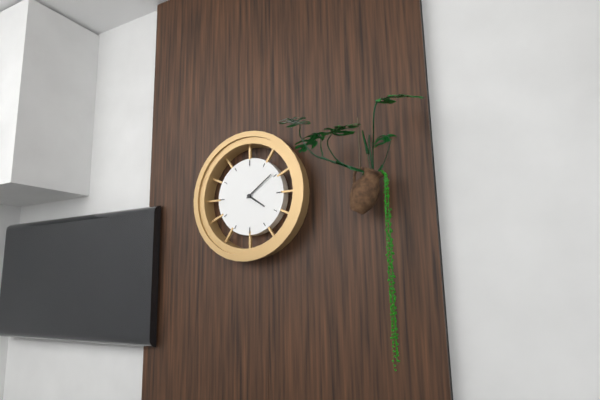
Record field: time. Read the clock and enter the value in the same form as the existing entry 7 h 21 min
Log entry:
4 h 09 min
